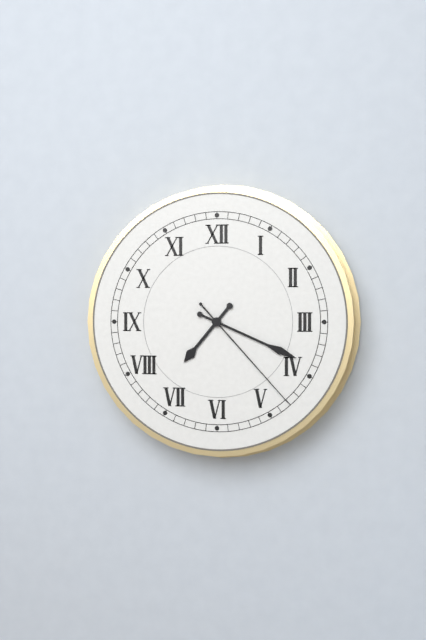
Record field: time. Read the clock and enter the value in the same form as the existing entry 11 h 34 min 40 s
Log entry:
7 h 19 min 23 s
